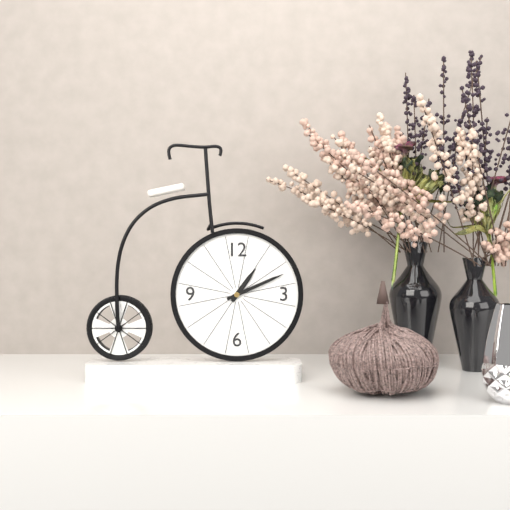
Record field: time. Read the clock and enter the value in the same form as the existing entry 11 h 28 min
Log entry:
1 h 11 min
